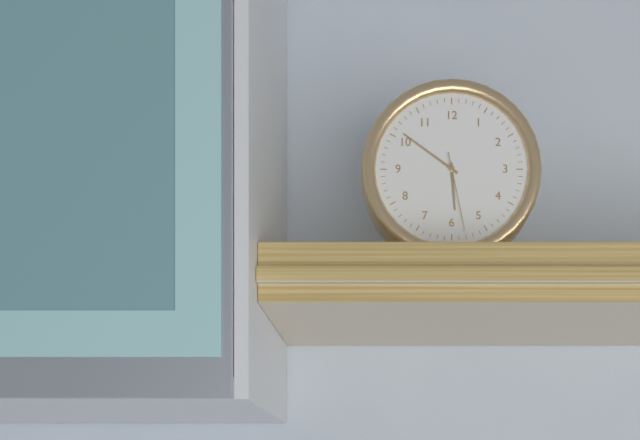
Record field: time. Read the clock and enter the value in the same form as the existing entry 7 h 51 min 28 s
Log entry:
5 h 51 min 28 s
